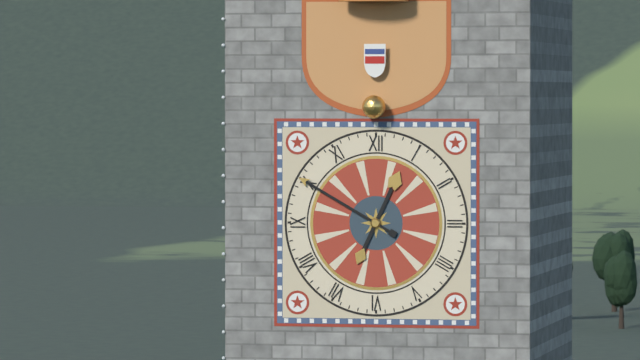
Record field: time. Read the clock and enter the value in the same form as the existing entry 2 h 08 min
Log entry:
12 h 50 min
